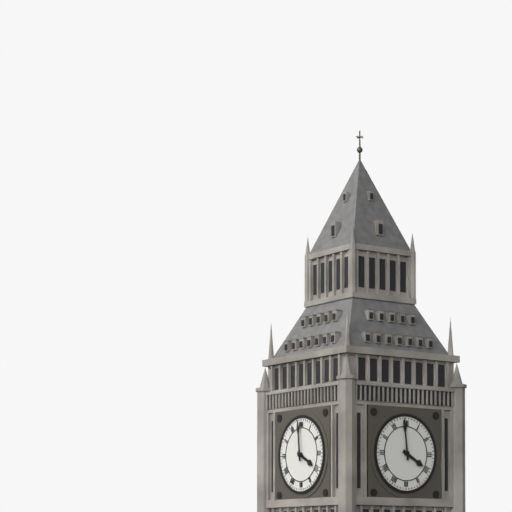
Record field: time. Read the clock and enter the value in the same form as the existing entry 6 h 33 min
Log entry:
3 h 59 min
